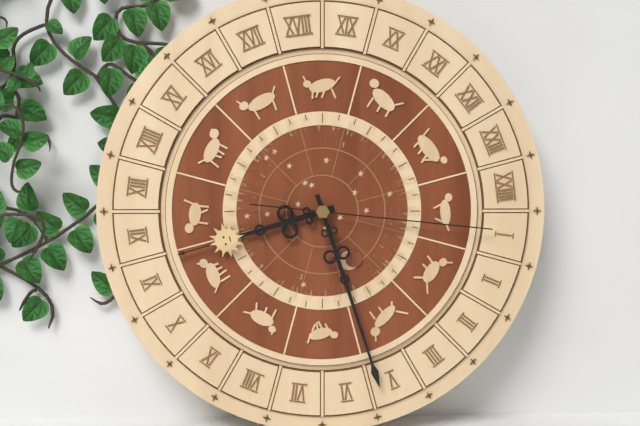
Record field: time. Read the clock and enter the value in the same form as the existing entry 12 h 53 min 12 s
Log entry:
8 h 27 min 16 s
